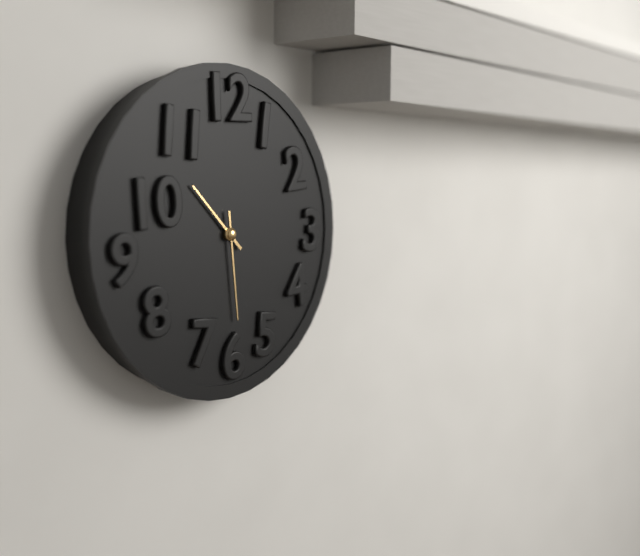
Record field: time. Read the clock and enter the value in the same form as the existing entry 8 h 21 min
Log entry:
10 h 29 min
